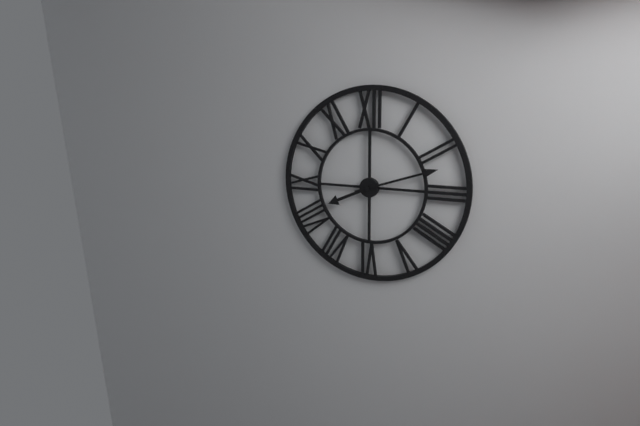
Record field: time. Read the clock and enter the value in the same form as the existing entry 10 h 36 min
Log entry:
8 h 12 min
